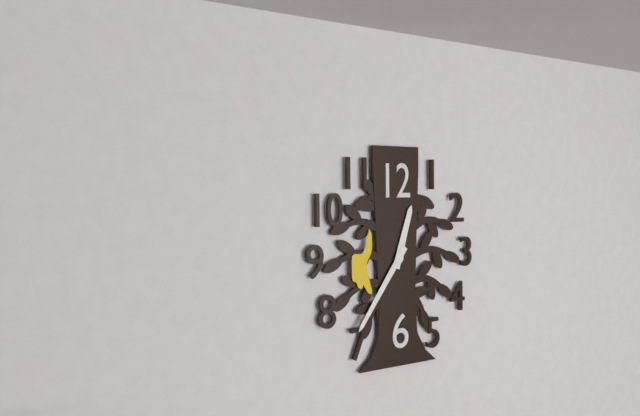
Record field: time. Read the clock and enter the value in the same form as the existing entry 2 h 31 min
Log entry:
12 h 36 min
